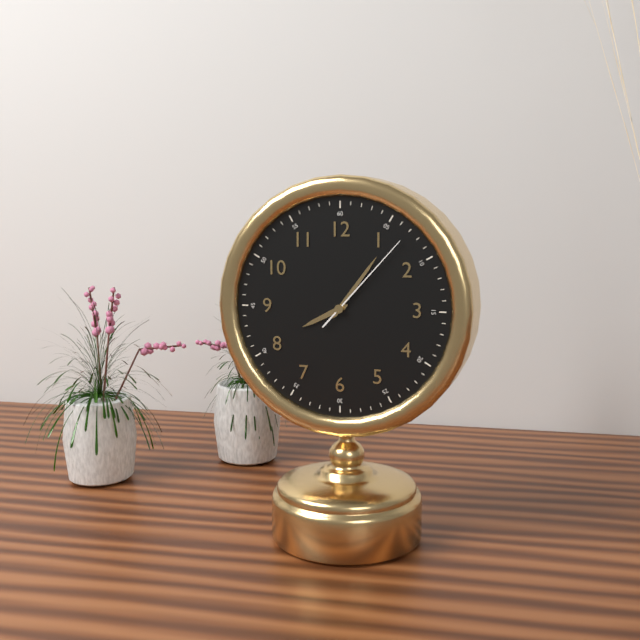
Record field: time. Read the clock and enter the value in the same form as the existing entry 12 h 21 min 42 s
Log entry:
8 h 06 min 07 s
